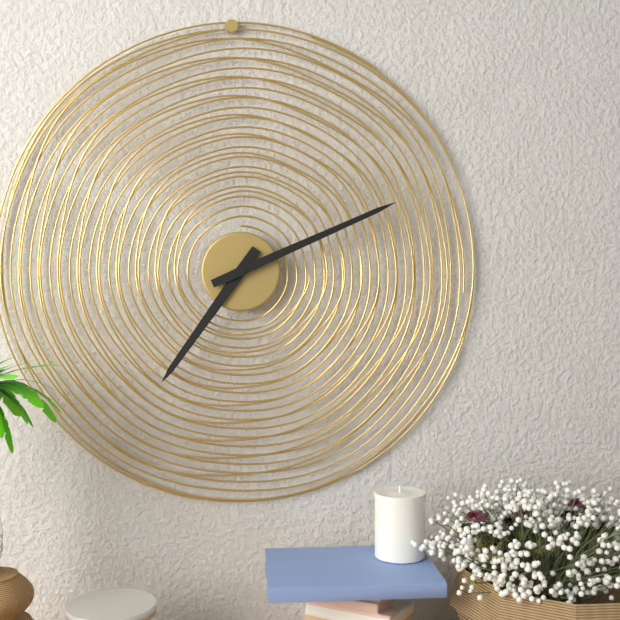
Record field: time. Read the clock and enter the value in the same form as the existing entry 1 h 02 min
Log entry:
7 h 11 min
